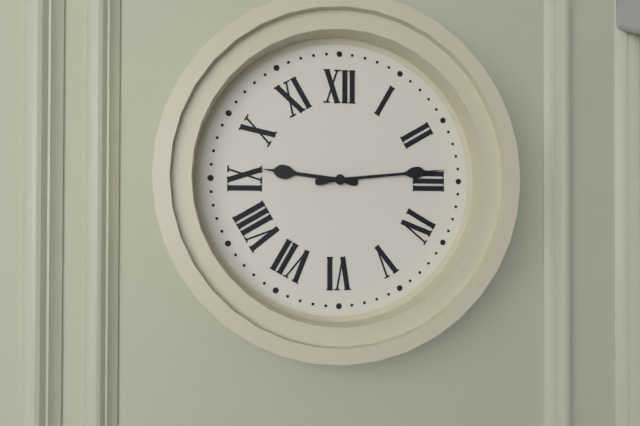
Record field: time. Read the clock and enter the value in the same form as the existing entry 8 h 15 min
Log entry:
9 h 14 min
